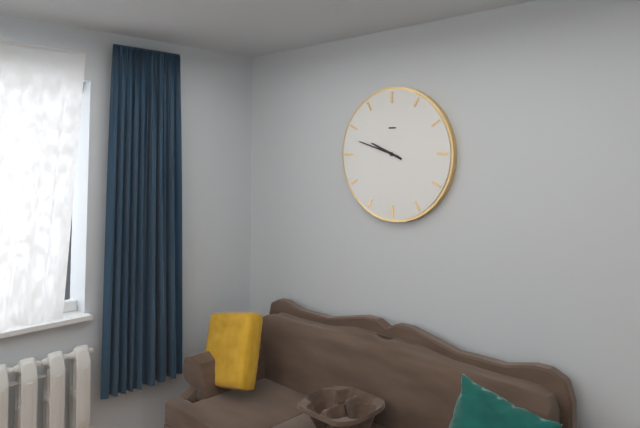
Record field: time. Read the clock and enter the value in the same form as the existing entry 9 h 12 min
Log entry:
9 h 48 min
